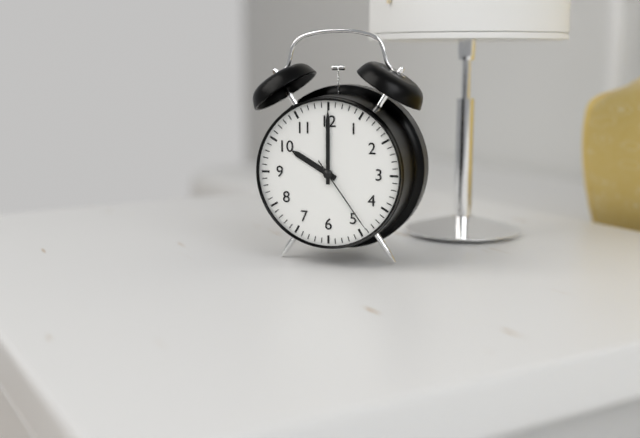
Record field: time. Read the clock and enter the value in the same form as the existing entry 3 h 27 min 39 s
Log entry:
10 h 00 min 24 s
